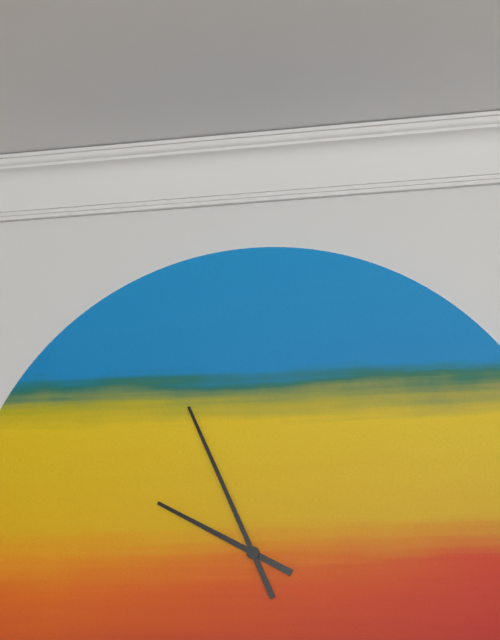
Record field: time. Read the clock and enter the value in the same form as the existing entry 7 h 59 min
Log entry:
9 h 56 min
